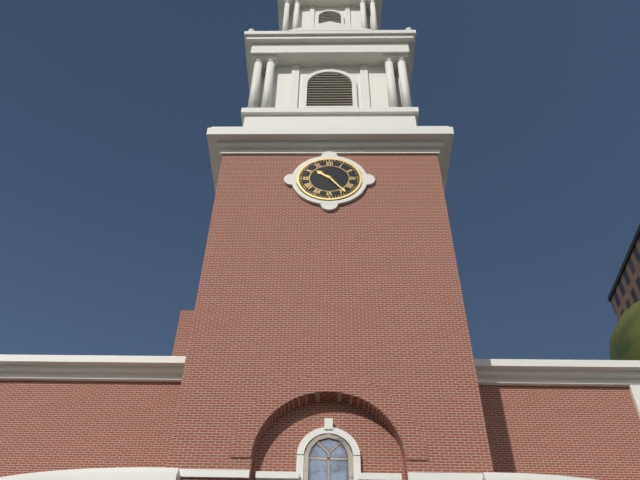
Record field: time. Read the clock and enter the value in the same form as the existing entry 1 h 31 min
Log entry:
10 h 24 min
